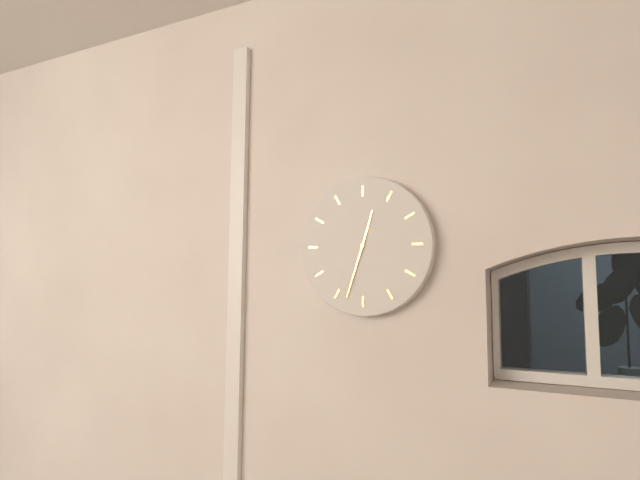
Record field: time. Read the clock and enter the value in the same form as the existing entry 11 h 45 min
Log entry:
12 h 33 min
